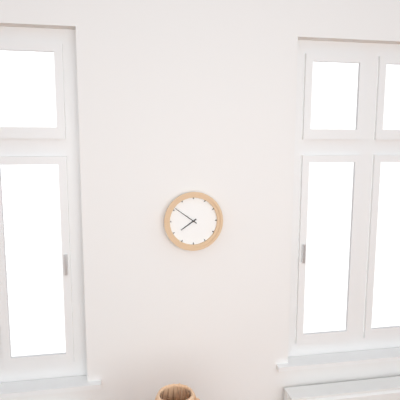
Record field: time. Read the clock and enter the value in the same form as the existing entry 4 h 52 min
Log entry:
7 h 51 min
